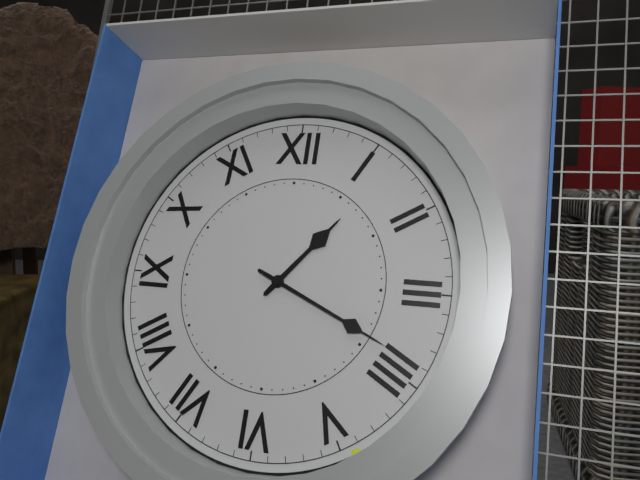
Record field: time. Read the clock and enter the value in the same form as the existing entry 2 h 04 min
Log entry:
1 h 19 min
